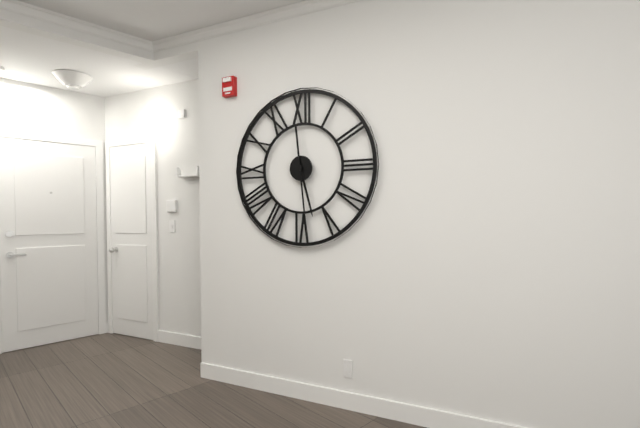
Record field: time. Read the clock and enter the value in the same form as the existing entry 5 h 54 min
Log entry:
5 h 29 min
